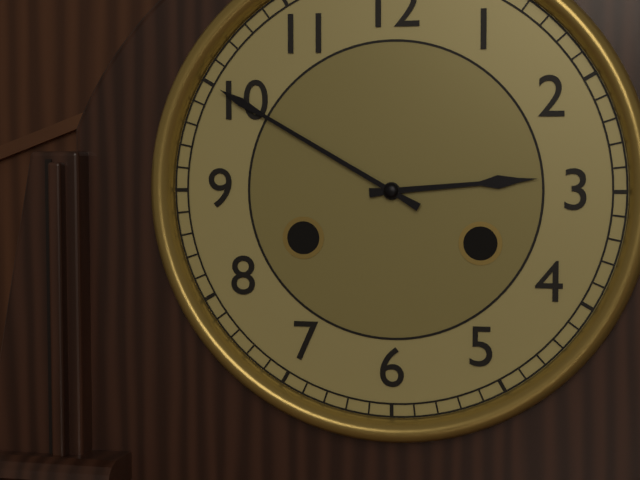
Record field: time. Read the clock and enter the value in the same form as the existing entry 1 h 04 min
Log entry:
2 h 50 min
